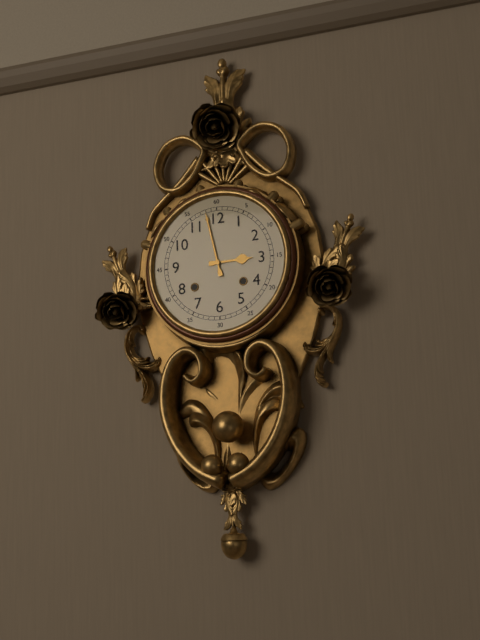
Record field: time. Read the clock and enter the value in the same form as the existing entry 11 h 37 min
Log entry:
2 h 58 min
